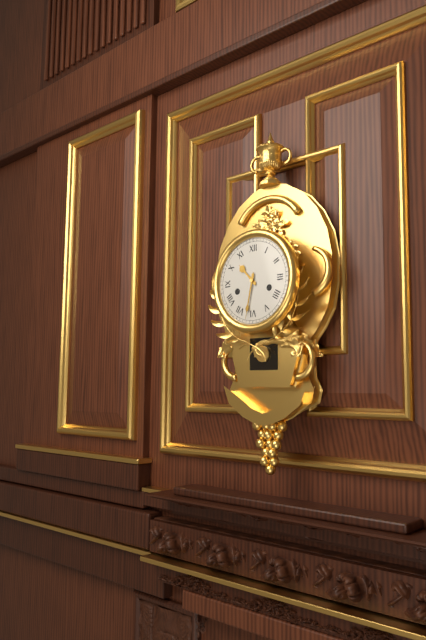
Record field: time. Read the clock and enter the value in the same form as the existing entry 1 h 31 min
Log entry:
10 h 32 min
